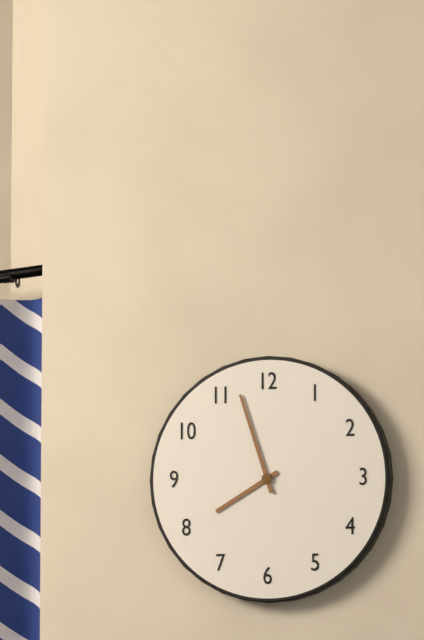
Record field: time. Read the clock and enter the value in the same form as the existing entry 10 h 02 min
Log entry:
7 h 57 min
